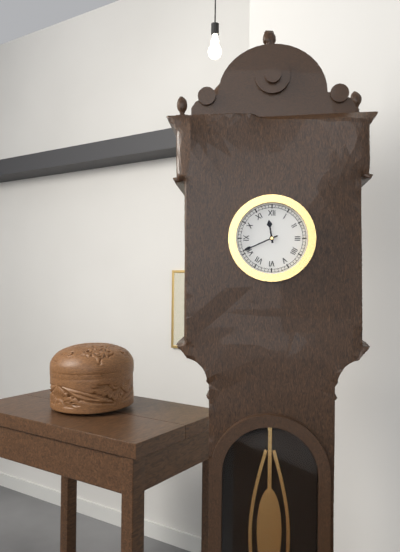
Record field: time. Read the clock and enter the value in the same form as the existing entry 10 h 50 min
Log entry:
11 h 41 min
